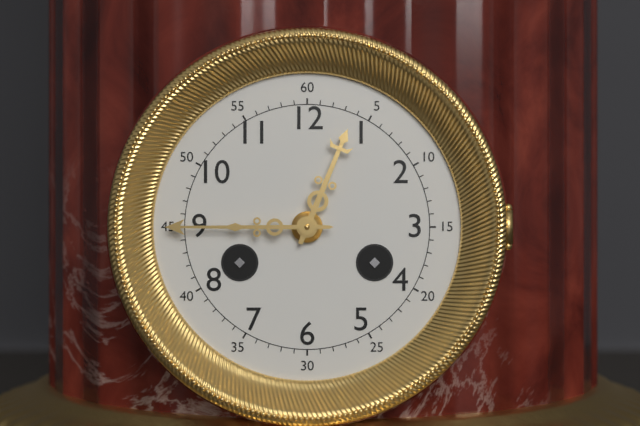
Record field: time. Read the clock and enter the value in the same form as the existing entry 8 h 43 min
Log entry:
12 h 45 min
